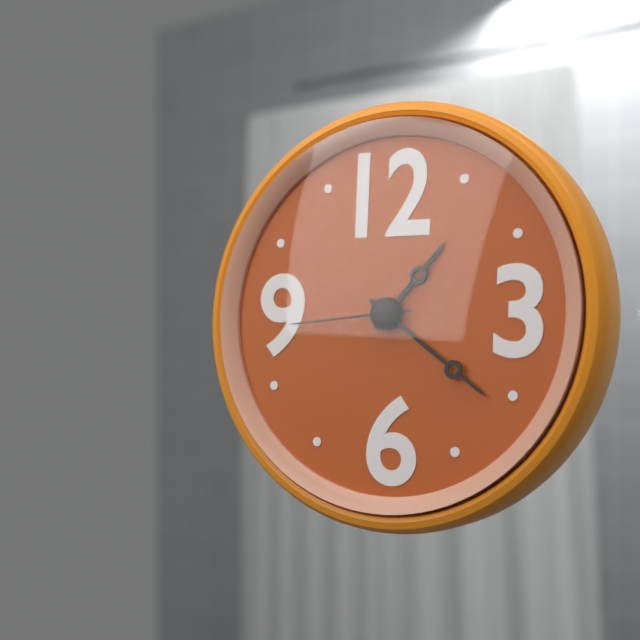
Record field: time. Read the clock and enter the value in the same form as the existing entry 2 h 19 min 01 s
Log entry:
1 h 21 min 44 s
